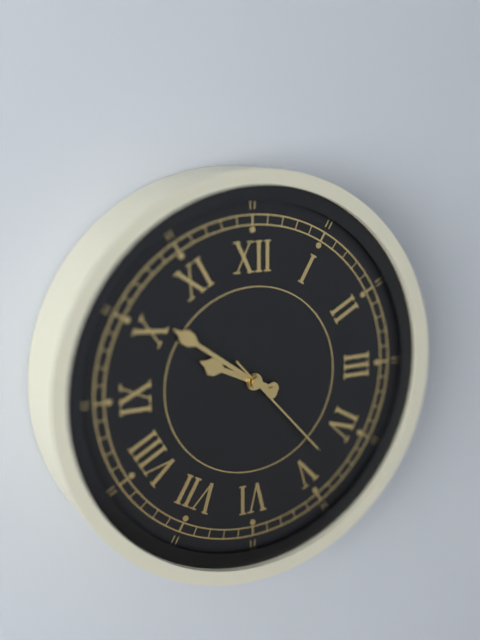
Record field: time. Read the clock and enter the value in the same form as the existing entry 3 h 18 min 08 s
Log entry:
9 h 51 min 23 s
